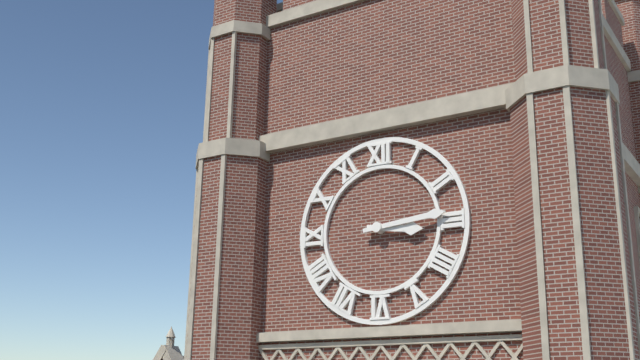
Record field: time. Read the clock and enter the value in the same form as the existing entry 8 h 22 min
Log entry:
3 h 14 min
